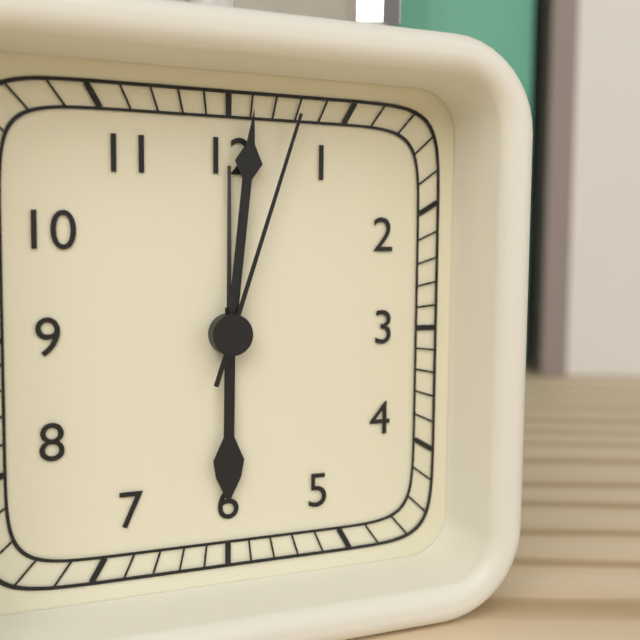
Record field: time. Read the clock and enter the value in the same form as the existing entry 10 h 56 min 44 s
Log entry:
6 h 01 min 03 s
